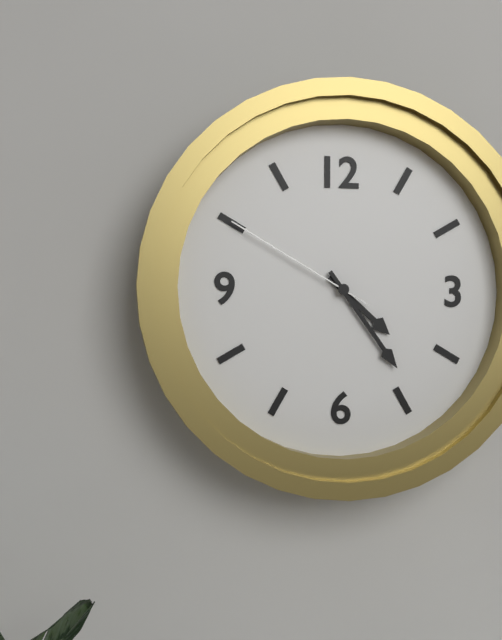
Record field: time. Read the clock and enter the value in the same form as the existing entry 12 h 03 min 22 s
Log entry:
4 h 24 min 50 s
